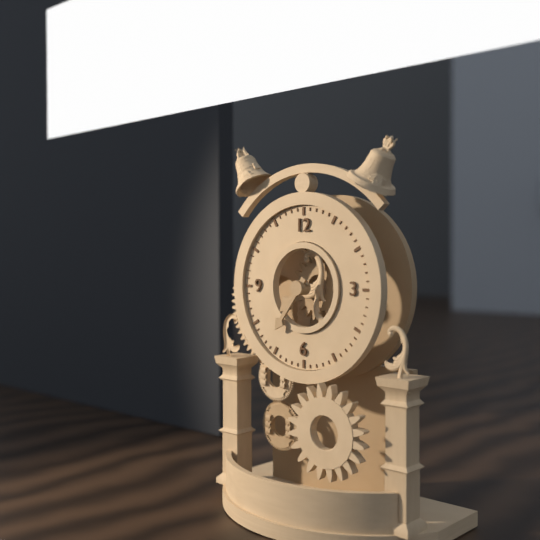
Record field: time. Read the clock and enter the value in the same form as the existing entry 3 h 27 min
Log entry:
7 h 36 min
